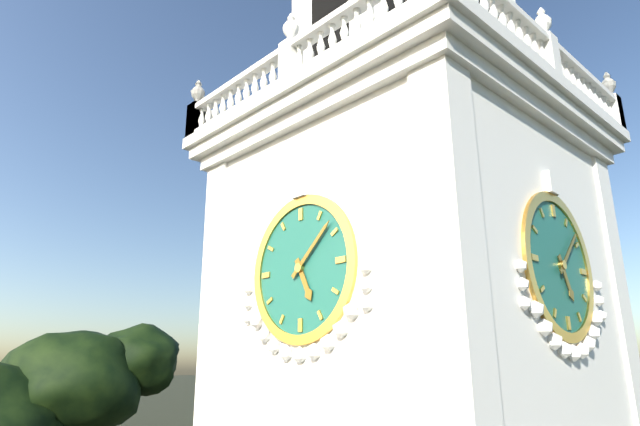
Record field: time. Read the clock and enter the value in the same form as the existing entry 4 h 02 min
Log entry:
5 h 08 min
